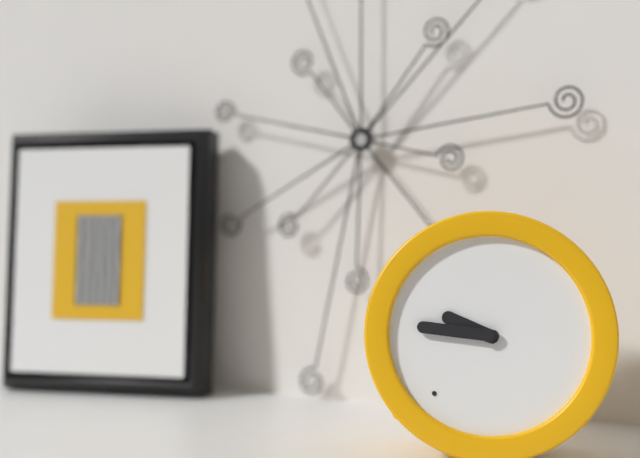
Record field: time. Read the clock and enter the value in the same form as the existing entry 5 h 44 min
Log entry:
9 h 46 min
